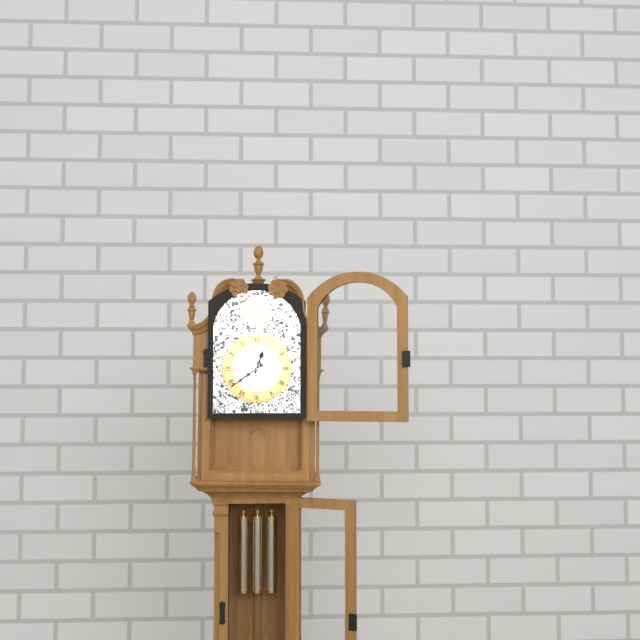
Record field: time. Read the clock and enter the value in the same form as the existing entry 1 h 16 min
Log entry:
12 h 39 min
